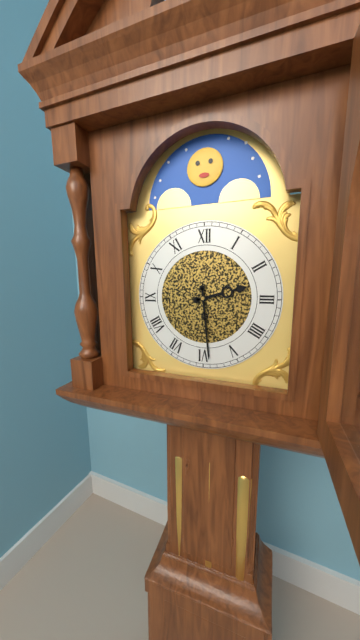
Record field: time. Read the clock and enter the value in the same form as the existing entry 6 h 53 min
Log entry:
2 h 29 min
